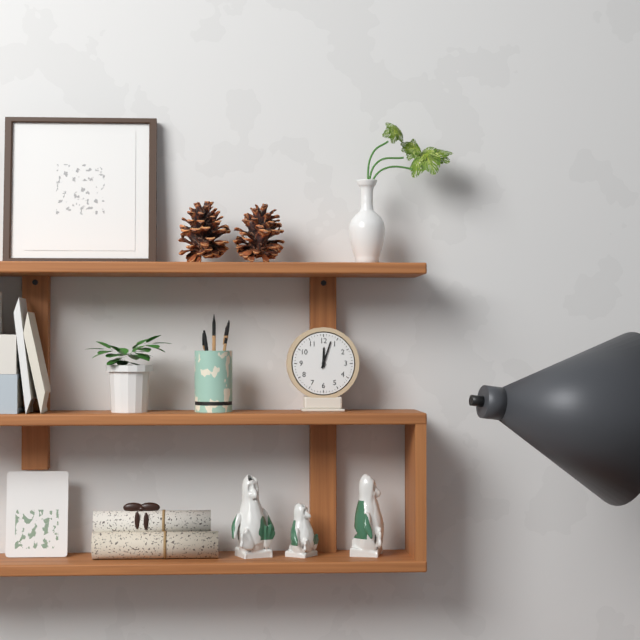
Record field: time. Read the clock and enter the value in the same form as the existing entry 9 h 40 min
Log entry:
12 h 03 min
